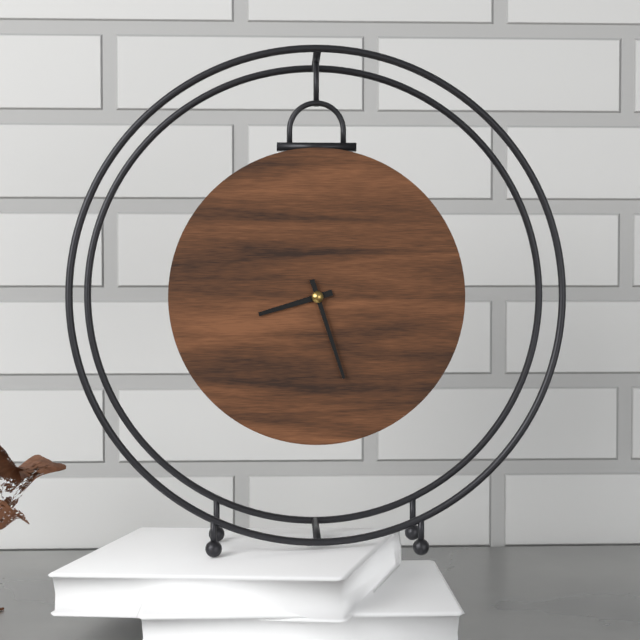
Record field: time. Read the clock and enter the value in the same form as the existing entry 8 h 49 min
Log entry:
8 h 27 min
